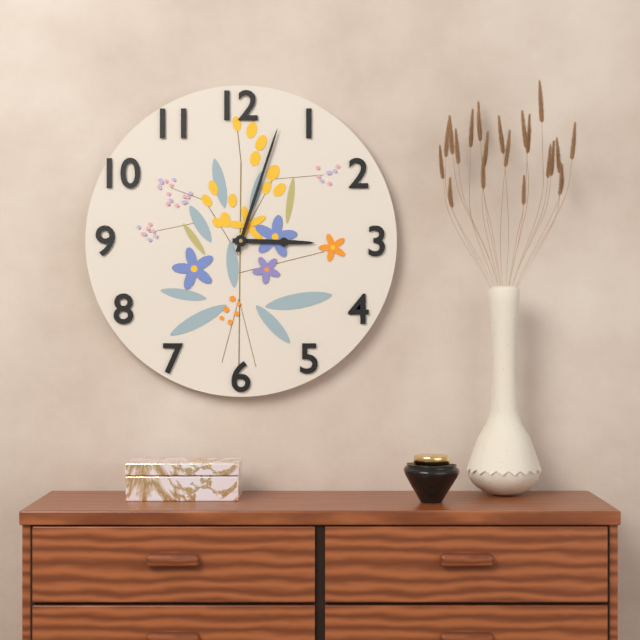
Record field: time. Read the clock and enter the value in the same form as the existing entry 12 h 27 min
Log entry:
3 h 03 min
